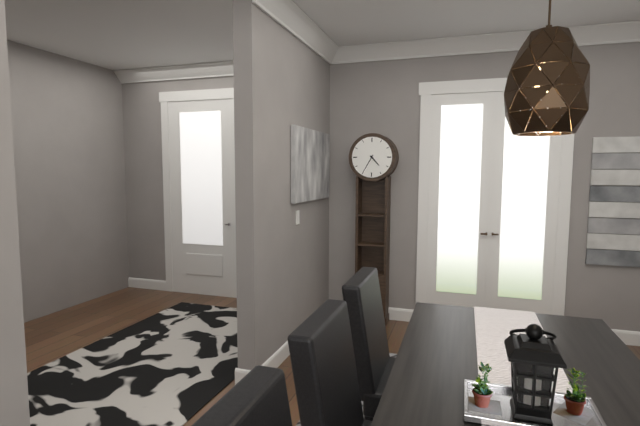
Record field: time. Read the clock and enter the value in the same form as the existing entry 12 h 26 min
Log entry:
4 h 35 min
